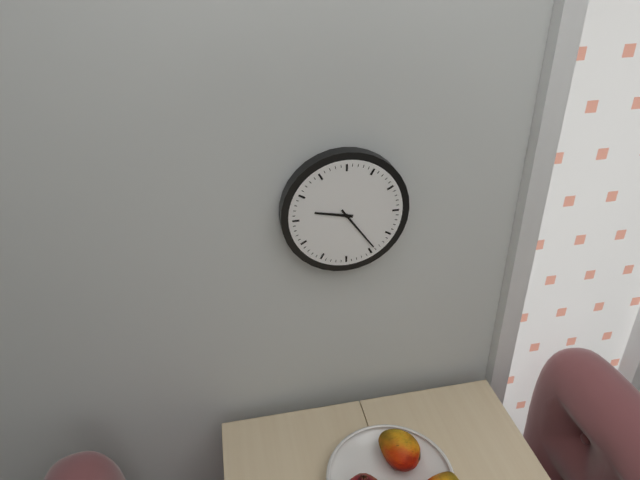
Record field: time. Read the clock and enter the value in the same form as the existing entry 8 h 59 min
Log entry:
9 h 24 min
